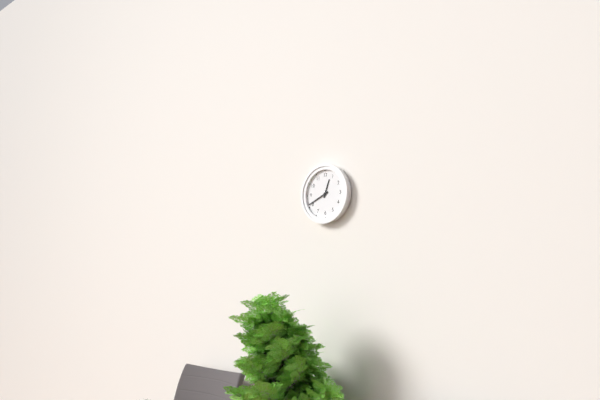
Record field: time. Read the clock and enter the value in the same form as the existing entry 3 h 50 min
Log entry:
12 h 41 min
